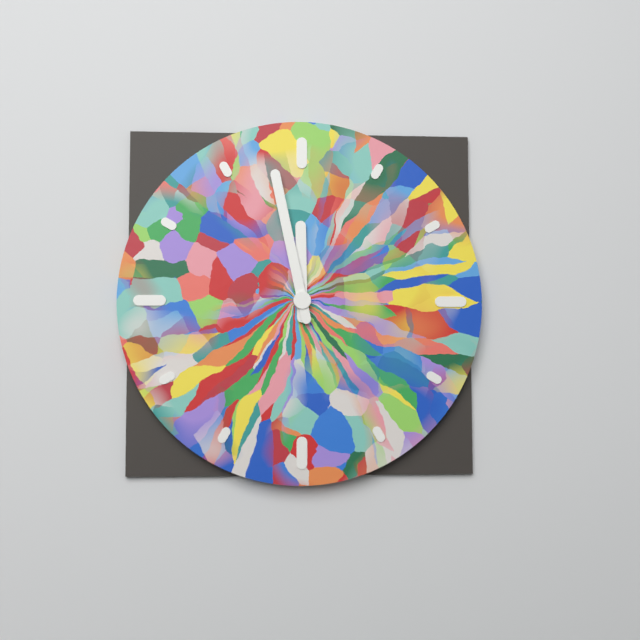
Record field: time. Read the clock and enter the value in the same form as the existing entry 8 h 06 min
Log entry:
11 h 58 min
